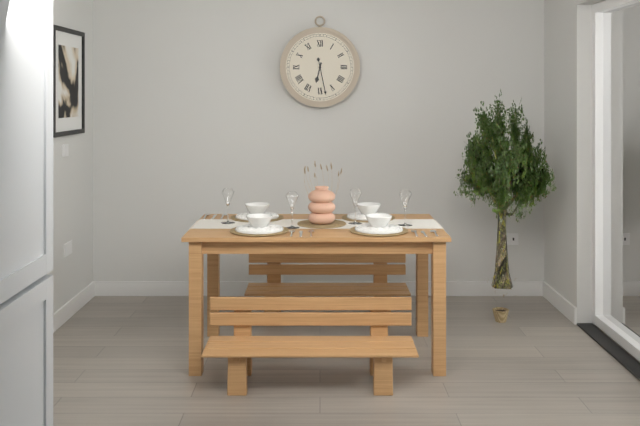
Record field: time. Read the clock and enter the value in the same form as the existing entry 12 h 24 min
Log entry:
6 h 28 min
